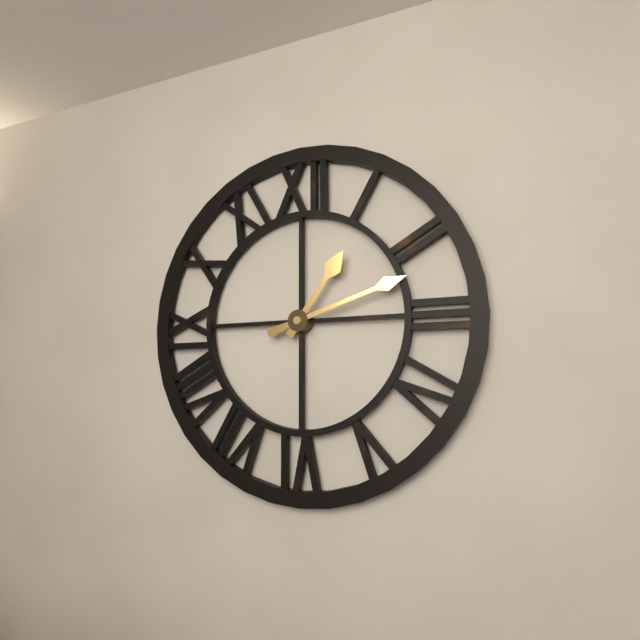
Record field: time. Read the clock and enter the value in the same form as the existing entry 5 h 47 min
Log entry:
1 h 12 min
